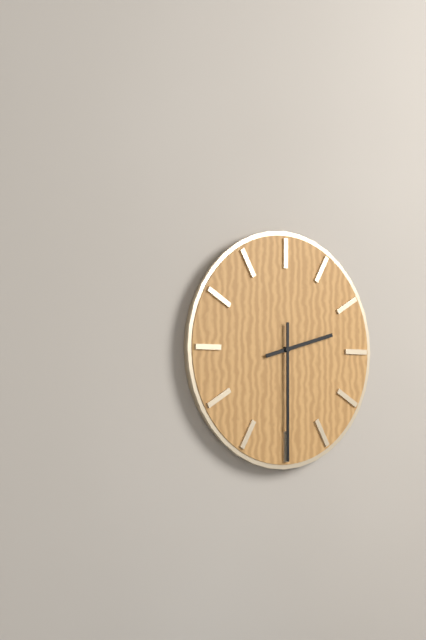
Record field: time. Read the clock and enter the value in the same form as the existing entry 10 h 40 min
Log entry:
2 h 30 min
